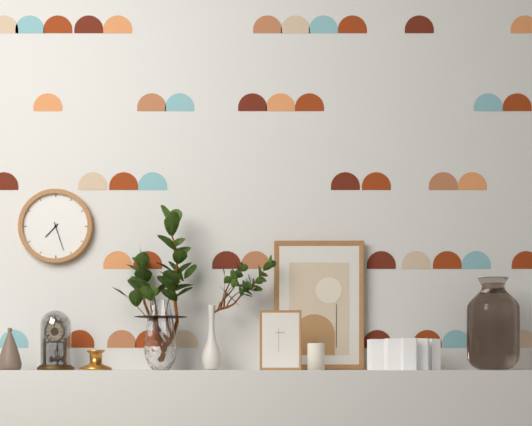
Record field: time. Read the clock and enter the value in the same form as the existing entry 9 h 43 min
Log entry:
7 h 27 min
